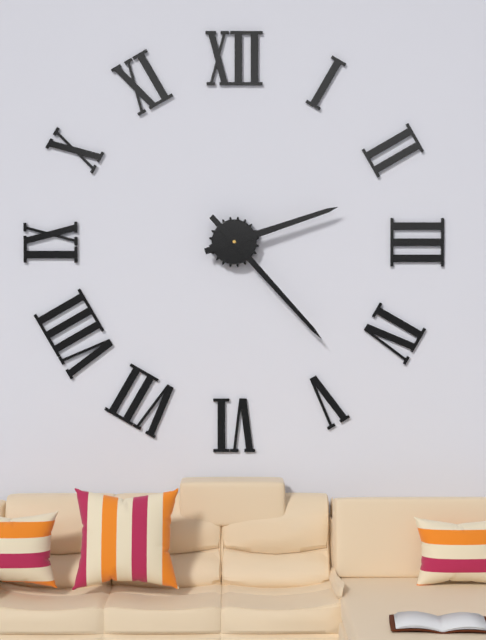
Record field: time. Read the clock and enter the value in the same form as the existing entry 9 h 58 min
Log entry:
2 h 23 min
